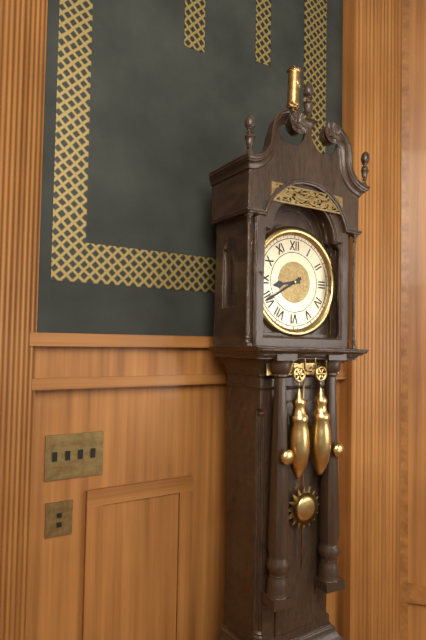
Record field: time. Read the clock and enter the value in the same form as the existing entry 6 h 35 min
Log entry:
8 h 40 min
